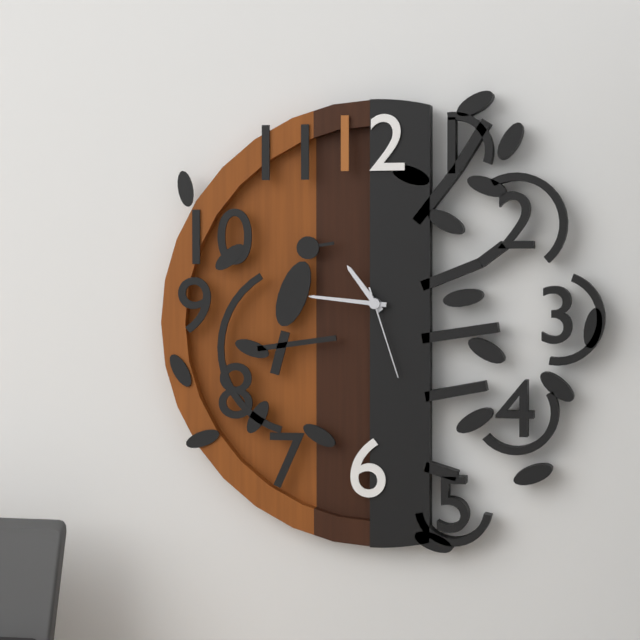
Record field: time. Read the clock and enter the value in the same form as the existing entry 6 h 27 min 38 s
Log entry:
10 h 46 min 27 s
